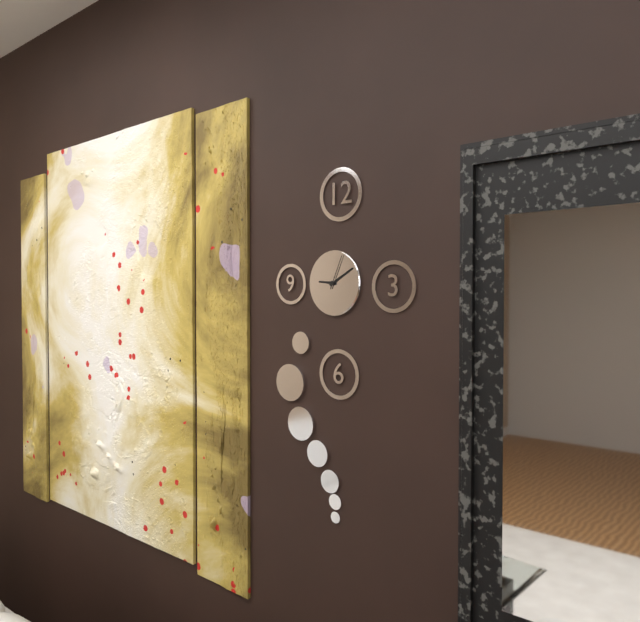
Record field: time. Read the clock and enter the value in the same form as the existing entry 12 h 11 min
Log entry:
9 h 10 min
